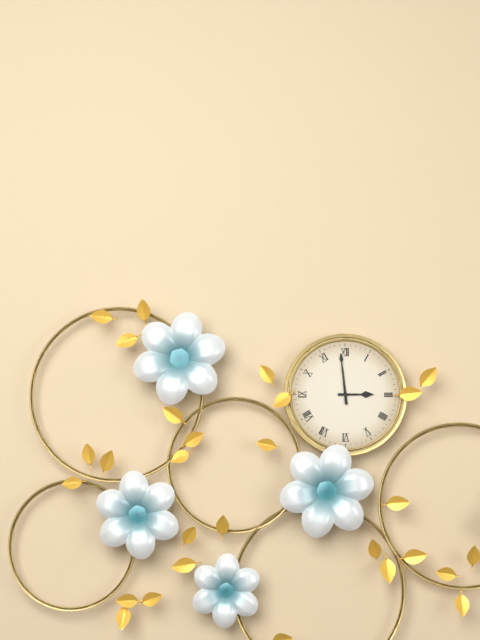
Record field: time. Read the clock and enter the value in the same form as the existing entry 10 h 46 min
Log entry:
2 h 59 min
